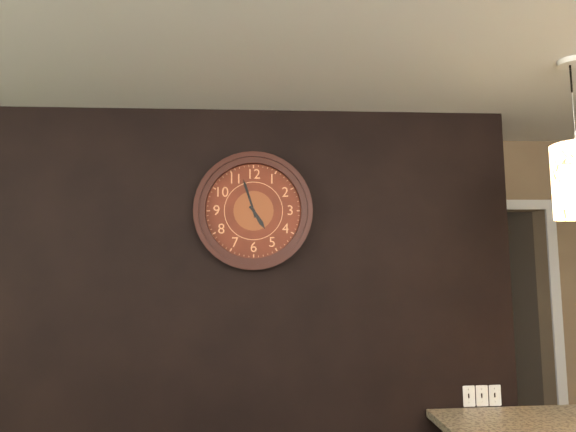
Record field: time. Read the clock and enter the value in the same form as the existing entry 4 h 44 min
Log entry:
4 h 57 min
